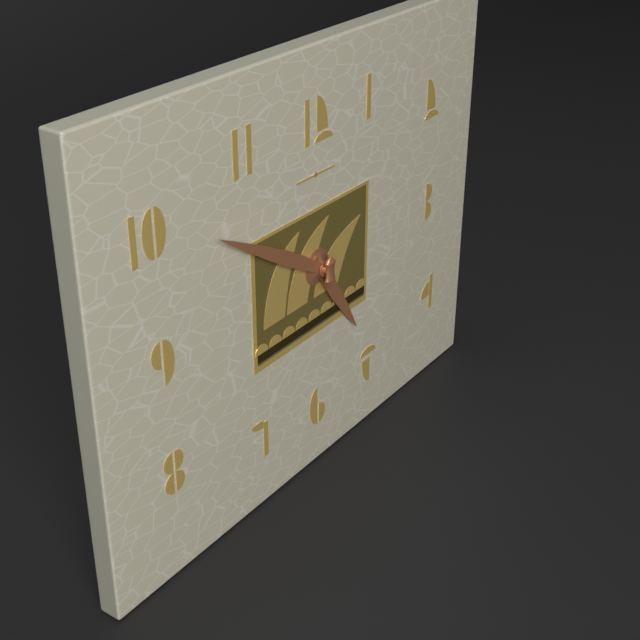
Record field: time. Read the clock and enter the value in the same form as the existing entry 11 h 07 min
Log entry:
4 h 50 min
